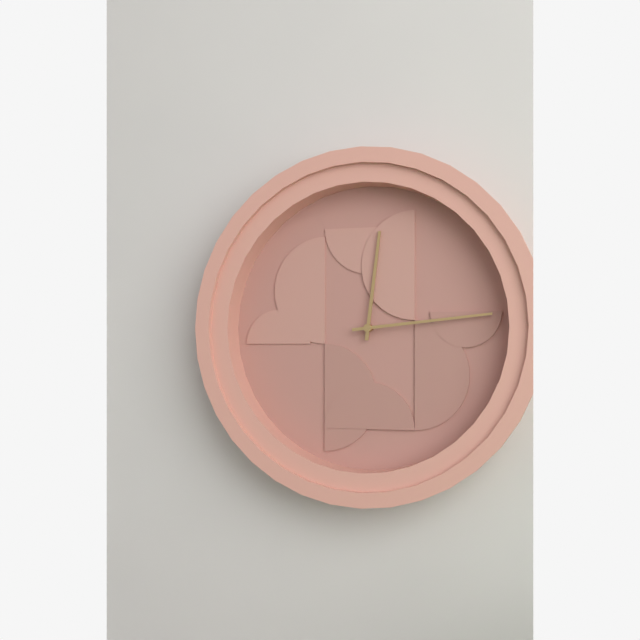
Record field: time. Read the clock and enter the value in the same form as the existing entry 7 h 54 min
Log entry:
12 h 14 min
